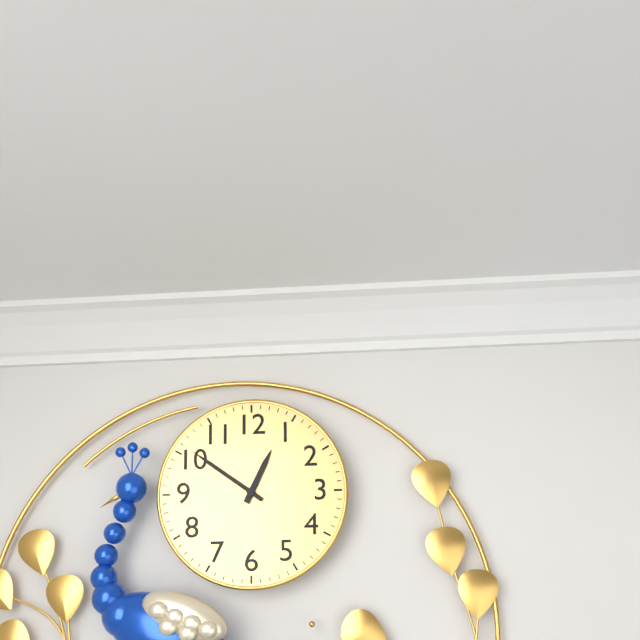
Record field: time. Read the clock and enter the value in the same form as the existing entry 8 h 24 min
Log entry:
12 h 51 min
